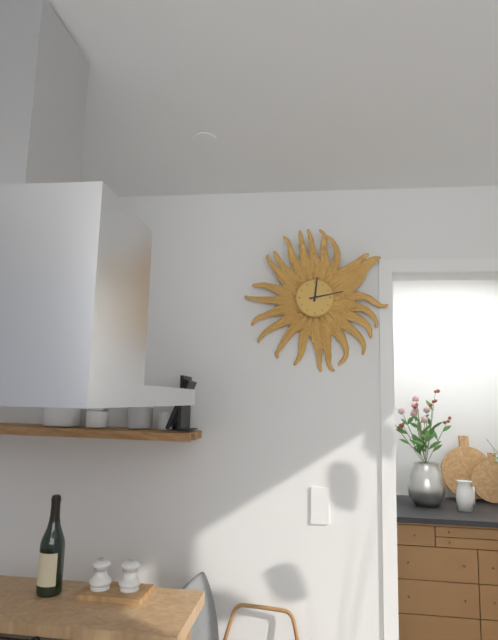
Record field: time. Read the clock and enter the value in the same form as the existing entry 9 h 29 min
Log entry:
12 h 13 min
